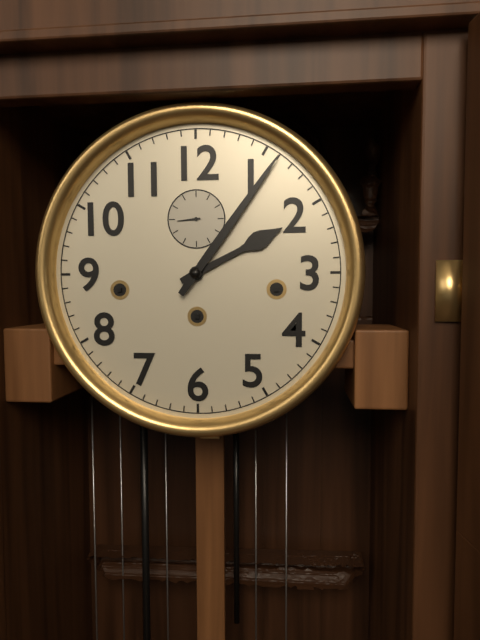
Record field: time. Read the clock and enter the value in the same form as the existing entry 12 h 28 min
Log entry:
2 h 06 min
